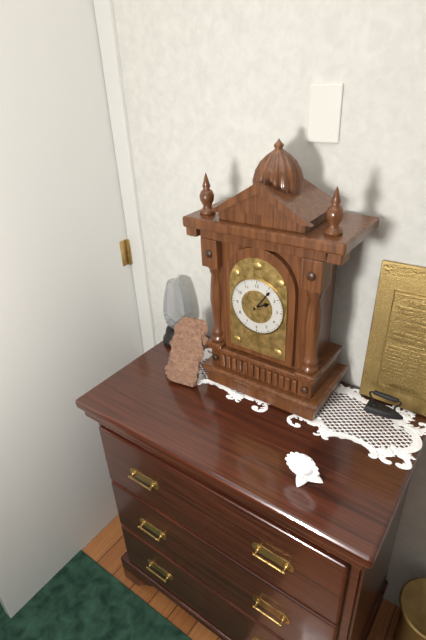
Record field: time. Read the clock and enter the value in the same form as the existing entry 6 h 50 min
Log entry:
2 h 06 min
